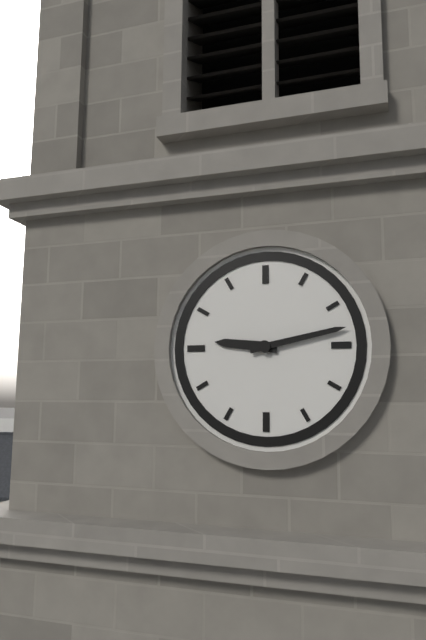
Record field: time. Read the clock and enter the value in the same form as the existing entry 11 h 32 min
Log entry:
9 h 13 min
